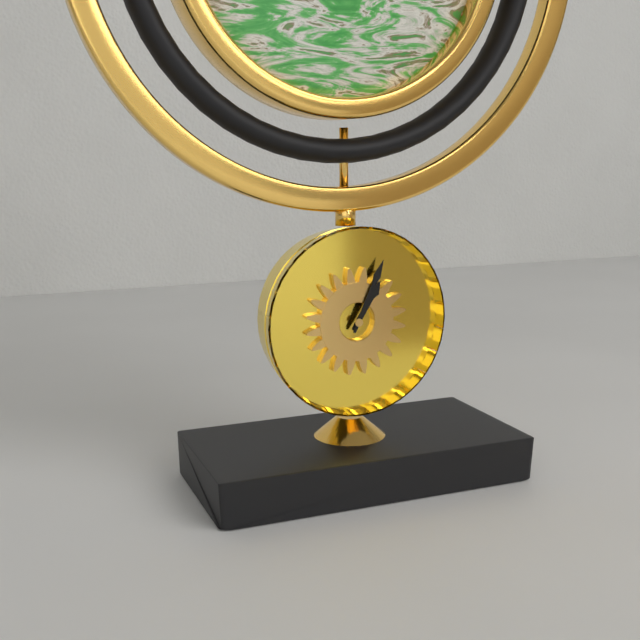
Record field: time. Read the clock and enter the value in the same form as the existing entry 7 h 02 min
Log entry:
1 h 04 min
